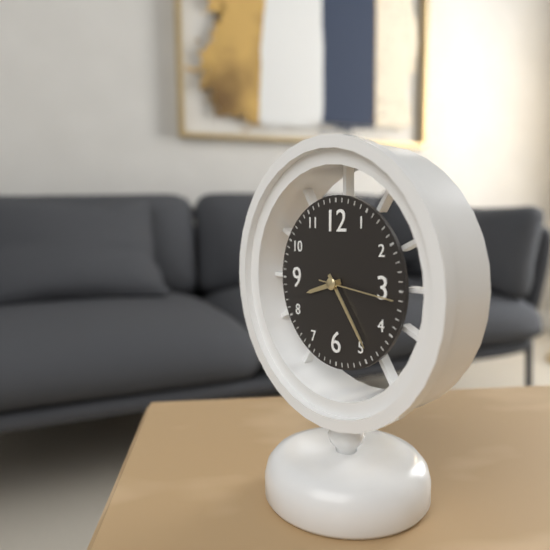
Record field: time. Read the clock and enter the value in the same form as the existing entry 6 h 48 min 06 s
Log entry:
8 h 24 min 16 s
